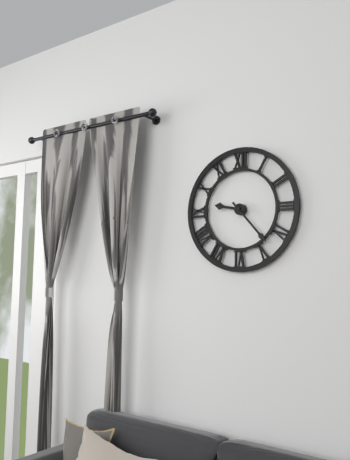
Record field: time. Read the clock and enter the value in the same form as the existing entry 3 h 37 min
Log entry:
9 h 23 min
